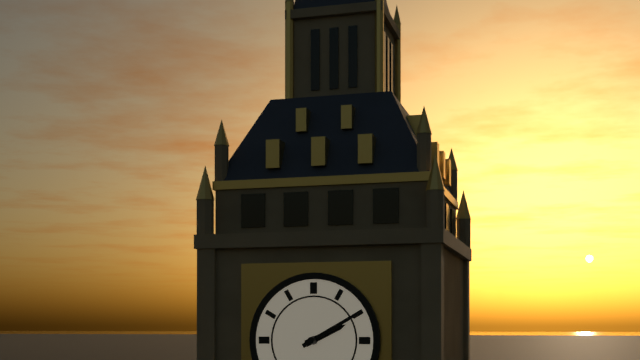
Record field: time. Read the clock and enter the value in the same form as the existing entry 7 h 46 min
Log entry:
2 h 10 min
